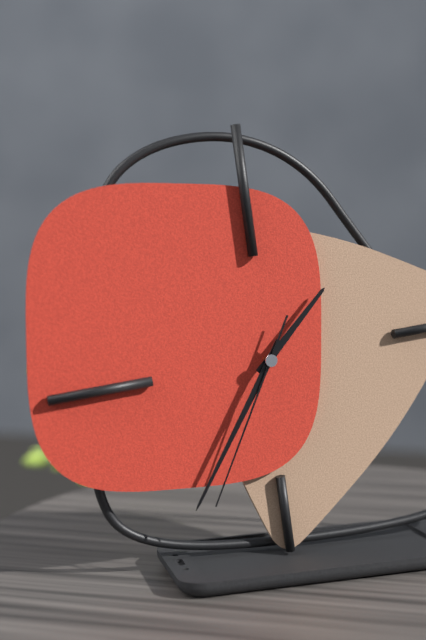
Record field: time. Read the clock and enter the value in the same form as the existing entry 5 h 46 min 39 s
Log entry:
1 h 36 min 35 s
